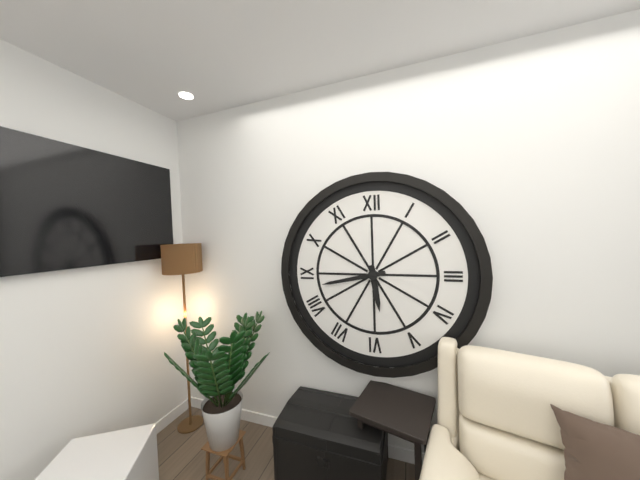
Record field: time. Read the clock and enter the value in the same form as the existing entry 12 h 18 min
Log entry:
5 h 43 min
